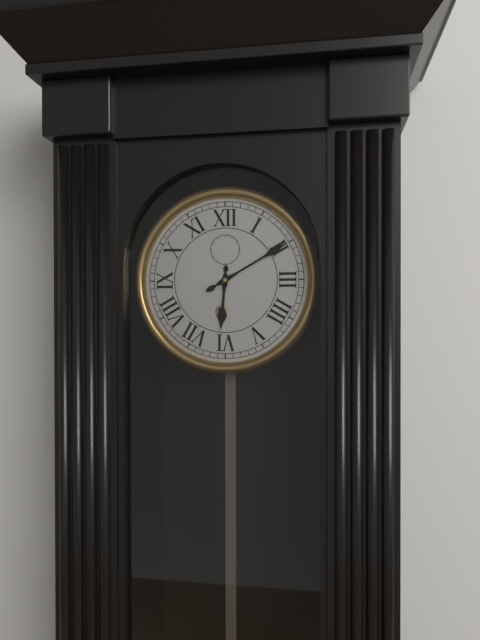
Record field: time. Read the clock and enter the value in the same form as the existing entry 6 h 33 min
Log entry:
6 h 10 min
